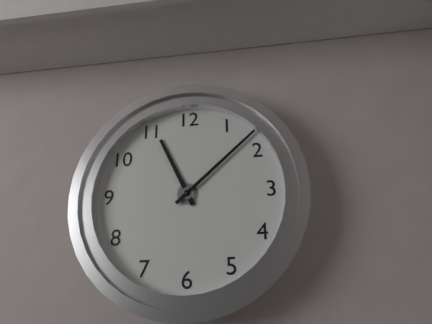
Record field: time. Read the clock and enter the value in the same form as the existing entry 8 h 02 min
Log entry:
11 h 08 min
